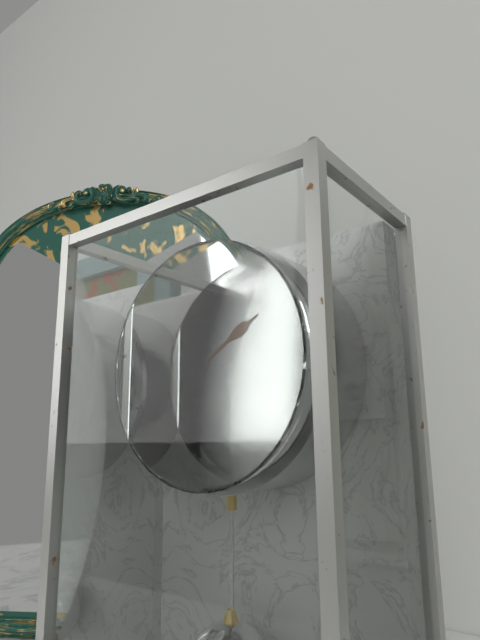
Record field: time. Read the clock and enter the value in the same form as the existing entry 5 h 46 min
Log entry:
2 h 00 min
